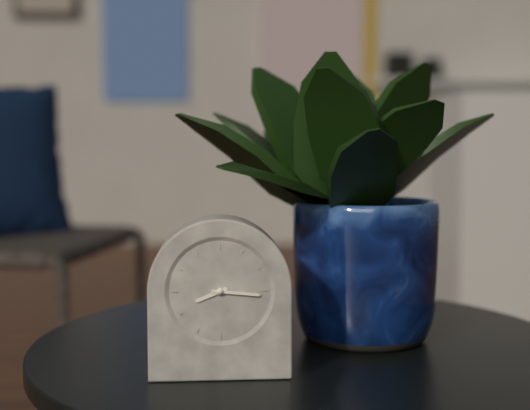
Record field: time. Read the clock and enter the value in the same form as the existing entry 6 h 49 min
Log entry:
8 h 16 min
